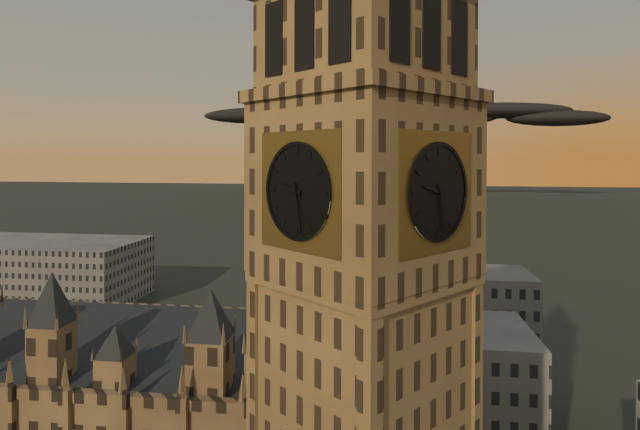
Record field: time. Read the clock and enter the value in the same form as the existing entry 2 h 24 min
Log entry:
9 h 28 min
